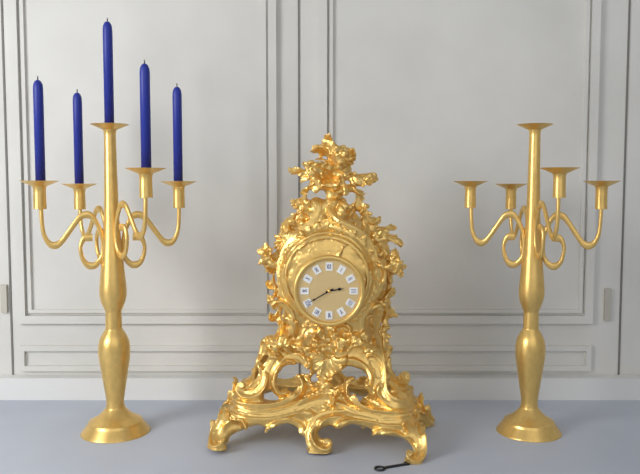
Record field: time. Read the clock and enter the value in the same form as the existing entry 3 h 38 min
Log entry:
2 h 40 min
